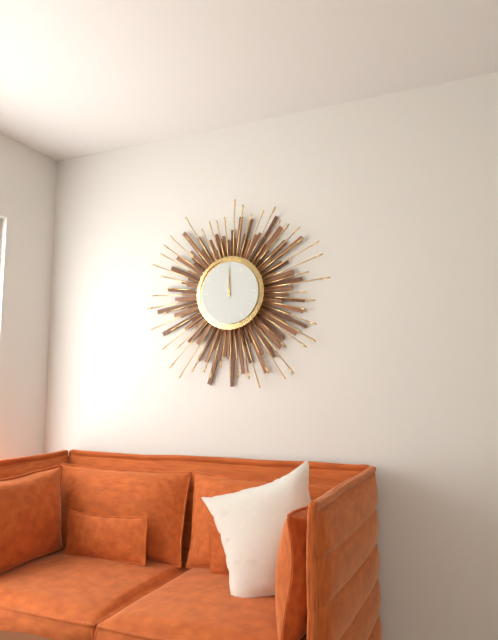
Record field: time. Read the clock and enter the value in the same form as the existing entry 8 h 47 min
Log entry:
12 h 00 min
